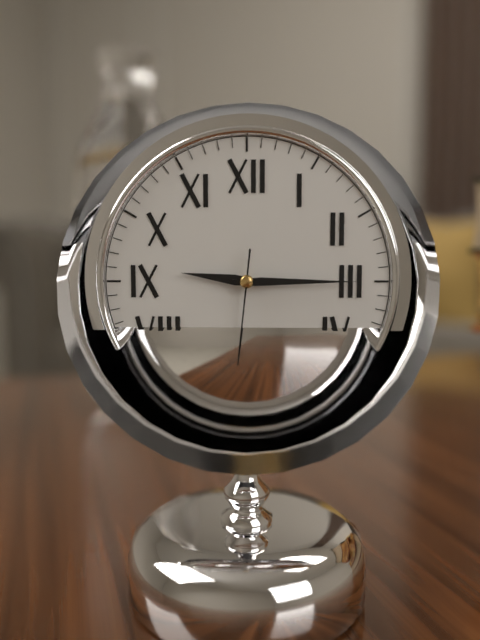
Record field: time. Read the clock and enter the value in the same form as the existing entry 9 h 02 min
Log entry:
9 h 15 min
